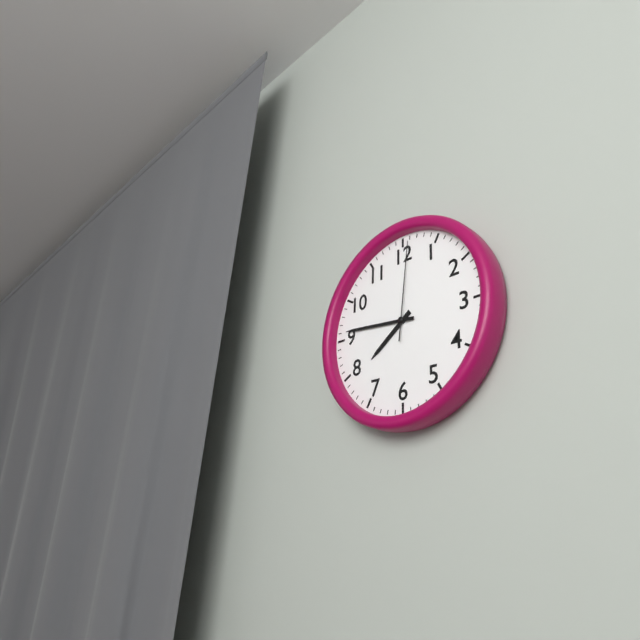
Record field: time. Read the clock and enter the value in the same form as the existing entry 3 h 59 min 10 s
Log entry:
7 h 46 min 01 s
